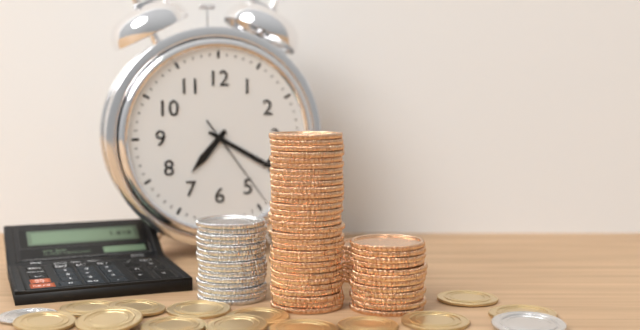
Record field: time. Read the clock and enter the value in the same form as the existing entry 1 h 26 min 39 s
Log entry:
7 h 20 min 24 s
